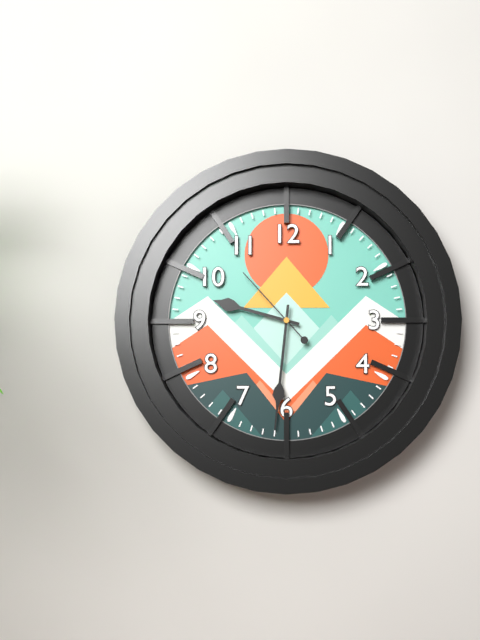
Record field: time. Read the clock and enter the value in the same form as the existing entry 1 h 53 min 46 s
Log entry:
9 h 31 min 53 s
